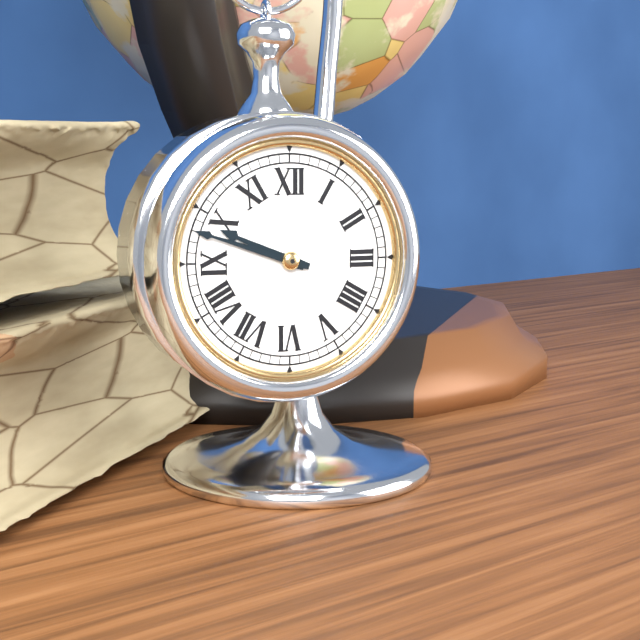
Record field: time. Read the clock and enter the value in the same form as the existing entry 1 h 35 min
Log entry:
9 h 48 min
